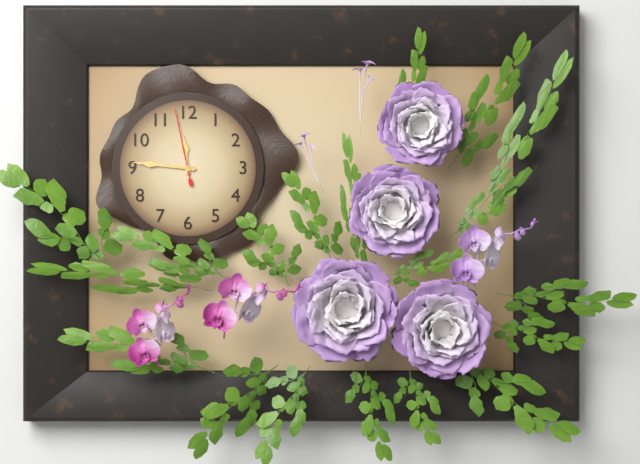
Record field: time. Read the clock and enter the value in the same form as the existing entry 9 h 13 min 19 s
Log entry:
11 h 46 min 58 s
